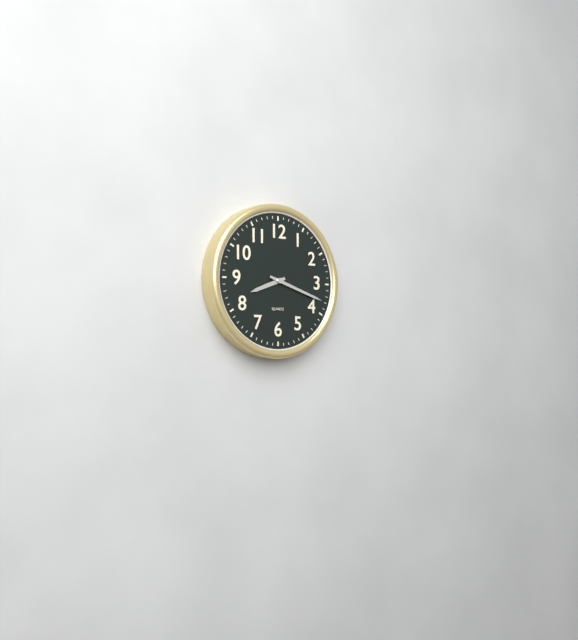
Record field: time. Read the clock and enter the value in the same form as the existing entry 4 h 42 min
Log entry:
8 h 18 min
